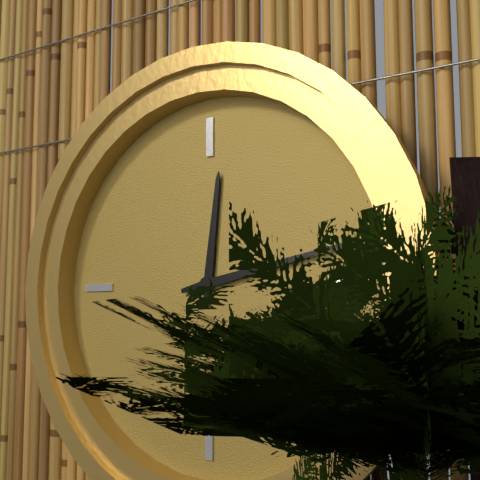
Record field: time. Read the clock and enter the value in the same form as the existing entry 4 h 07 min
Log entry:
12 h 13 min
